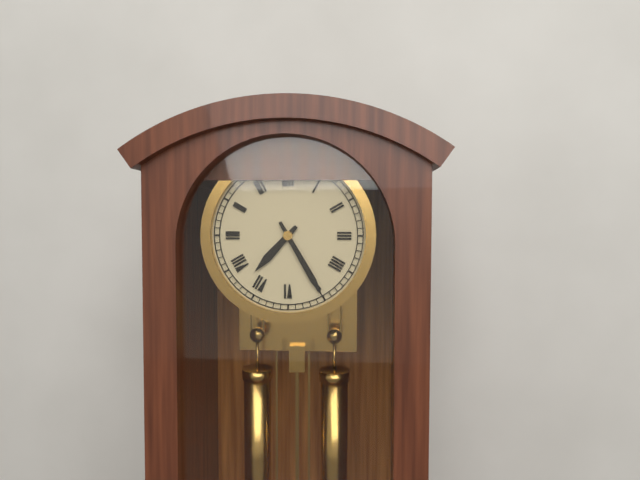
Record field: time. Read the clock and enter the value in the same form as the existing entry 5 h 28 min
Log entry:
7 h 25 min
